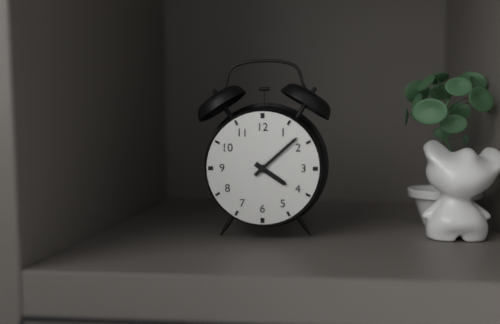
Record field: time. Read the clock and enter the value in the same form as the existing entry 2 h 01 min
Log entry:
4 h 08 min
